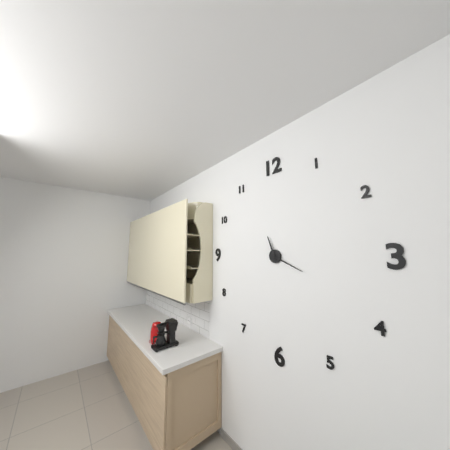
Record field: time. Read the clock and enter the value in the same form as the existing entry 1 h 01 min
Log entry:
11 h 19 min
